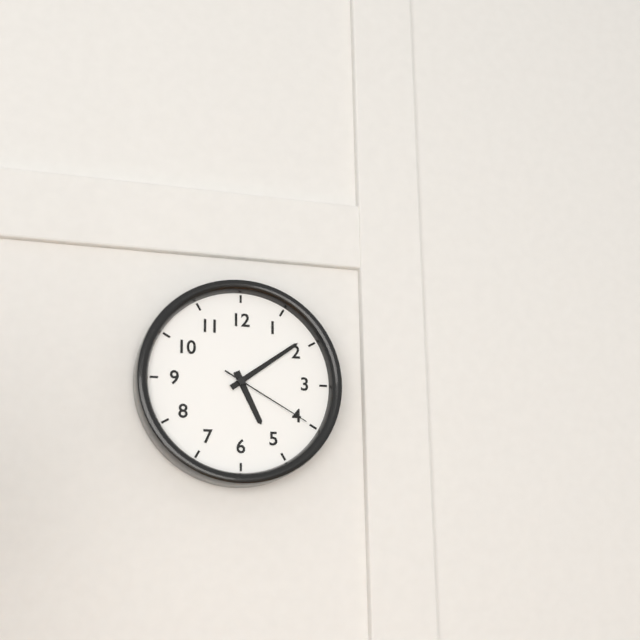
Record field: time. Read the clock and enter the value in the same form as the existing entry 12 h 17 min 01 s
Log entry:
5 h 09 min 20 s
